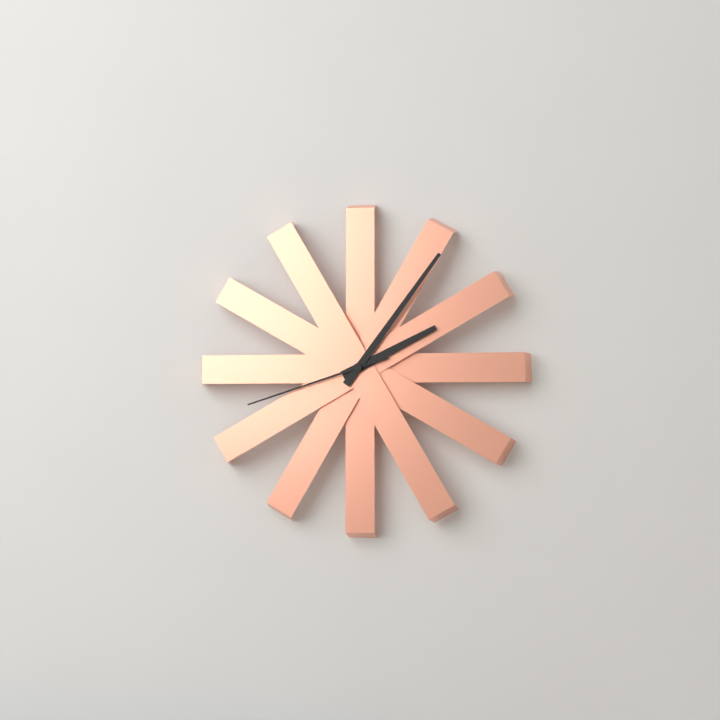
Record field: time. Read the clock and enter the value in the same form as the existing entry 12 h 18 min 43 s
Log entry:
2 h 06 min 42 s
